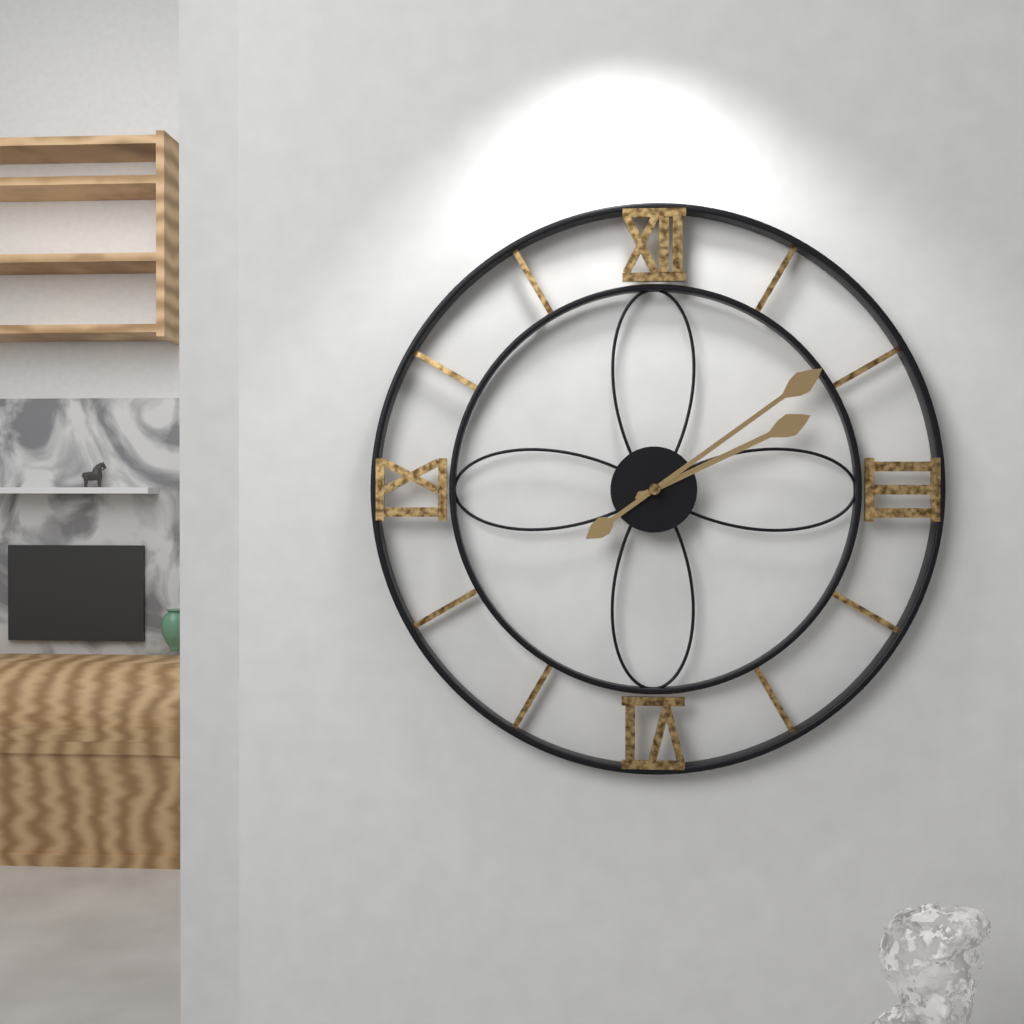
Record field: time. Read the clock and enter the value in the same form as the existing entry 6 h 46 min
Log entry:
2 h 09 min
